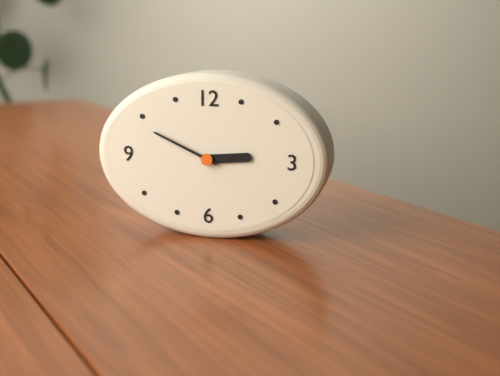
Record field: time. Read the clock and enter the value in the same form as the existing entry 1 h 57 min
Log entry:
2 h 49 min
